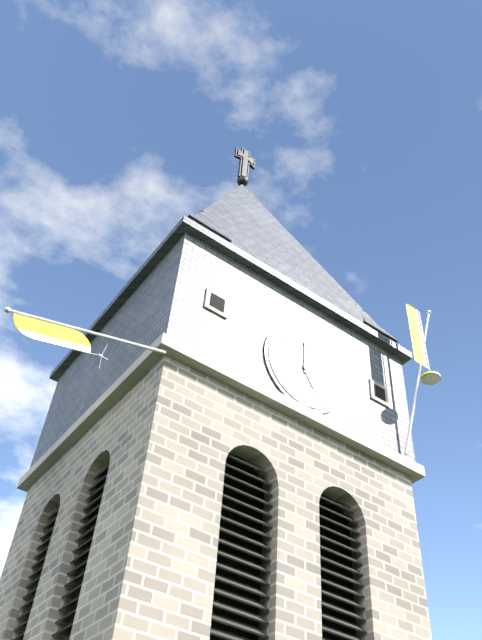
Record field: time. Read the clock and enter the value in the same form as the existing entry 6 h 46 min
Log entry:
5 h 00 min
